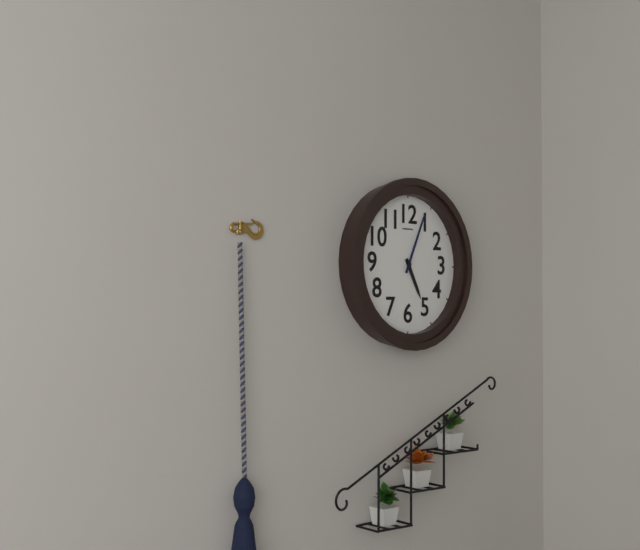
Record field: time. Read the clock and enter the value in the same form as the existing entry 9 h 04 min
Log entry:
5 h 04 min
